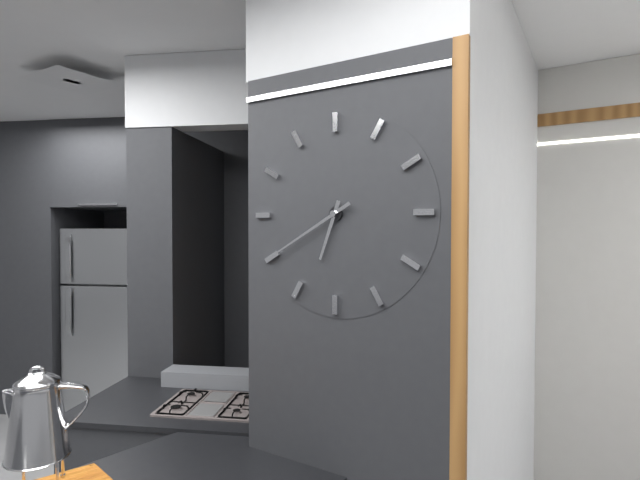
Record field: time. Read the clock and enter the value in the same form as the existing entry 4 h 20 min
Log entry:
6 h 40 min
